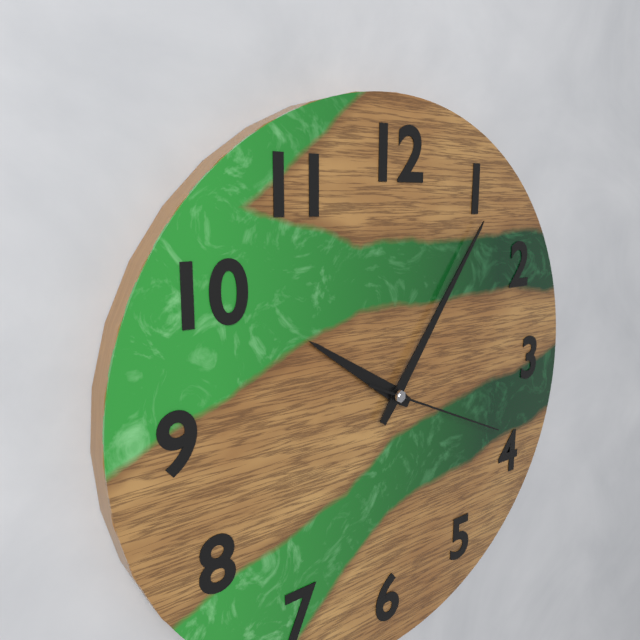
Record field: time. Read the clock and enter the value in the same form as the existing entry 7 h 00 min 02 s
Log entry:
10 h 06 min 19 s
